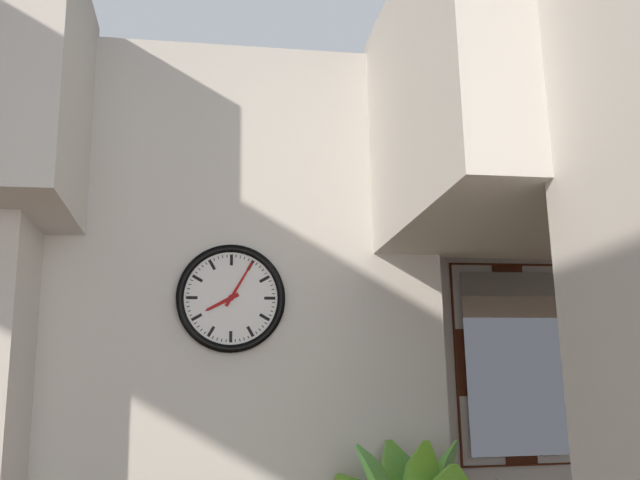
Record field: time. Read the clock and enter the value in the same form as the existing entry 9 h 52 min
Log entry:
8 h 05 min
